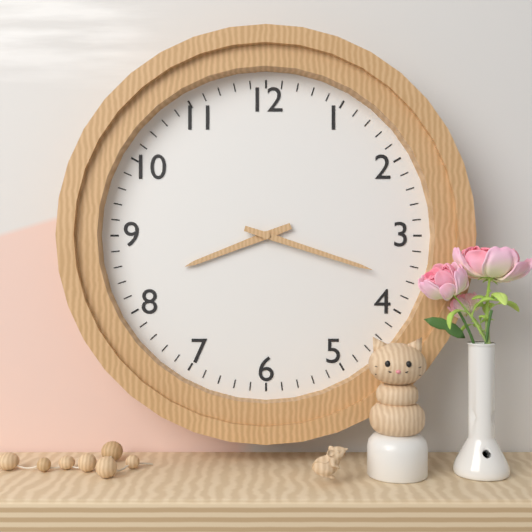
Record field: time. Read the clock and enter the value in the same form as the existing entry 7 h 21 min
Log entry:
8 h 18 min
